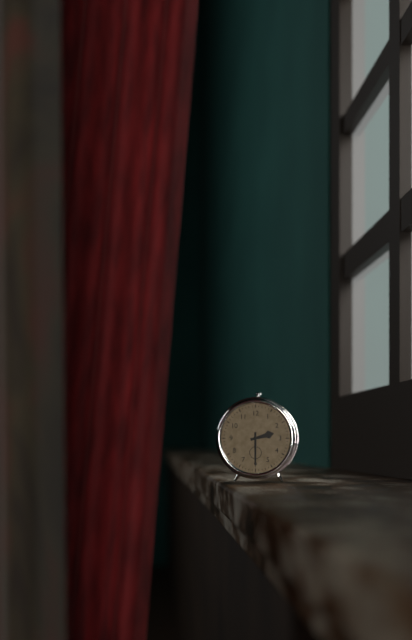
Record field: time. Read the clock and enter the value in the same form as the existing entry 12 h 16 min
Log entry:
2 h 30 min
